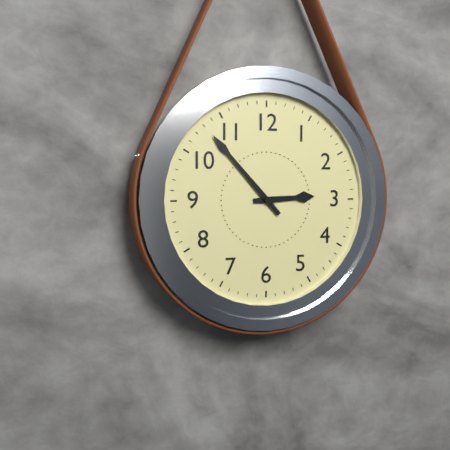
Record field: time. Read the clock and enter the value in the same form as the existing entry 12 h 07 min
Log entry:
2 h 53 min
